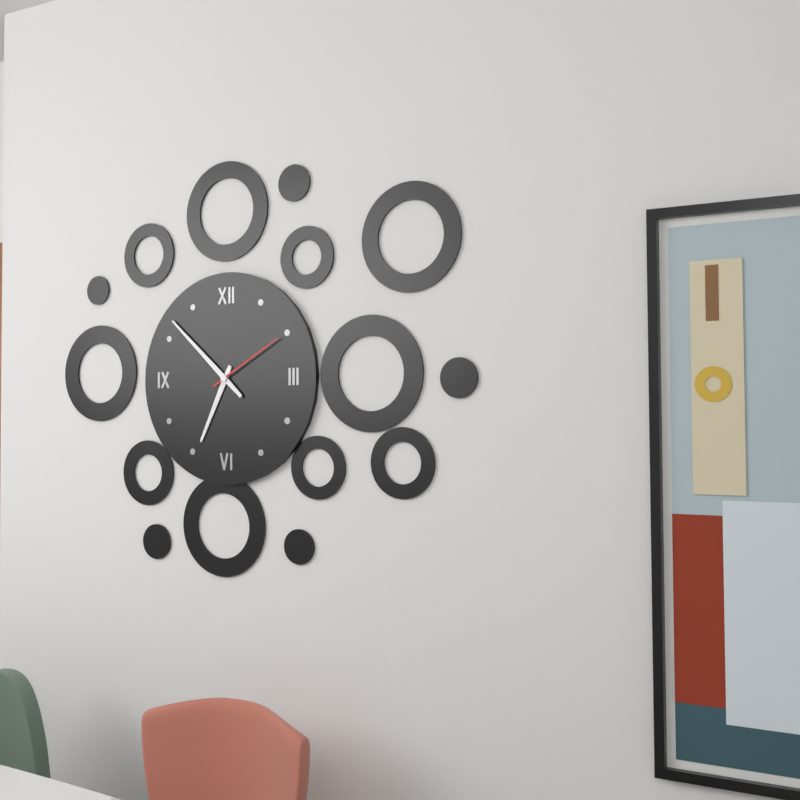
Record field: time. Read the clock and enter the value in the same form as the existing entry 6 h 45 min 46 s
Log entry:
6 h 52 min 10 s
